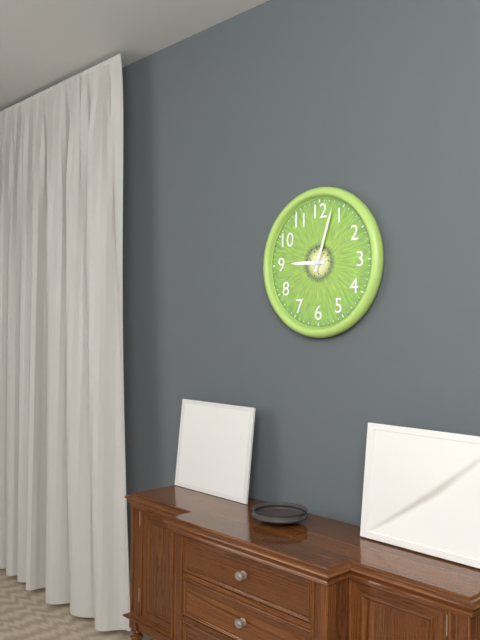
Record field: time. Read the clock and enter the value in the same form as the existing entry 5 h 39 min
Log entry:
9 h 03 min
